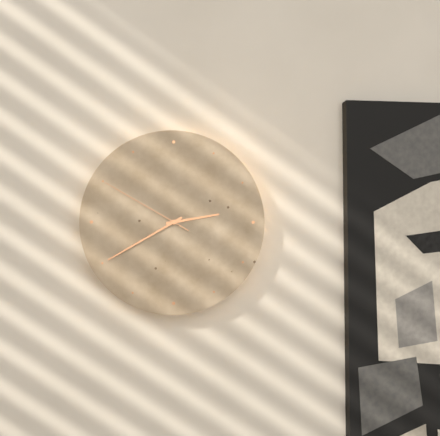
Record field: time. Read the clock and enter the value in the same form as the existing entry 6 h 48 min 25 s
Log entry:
2 h 40 min 50 s
